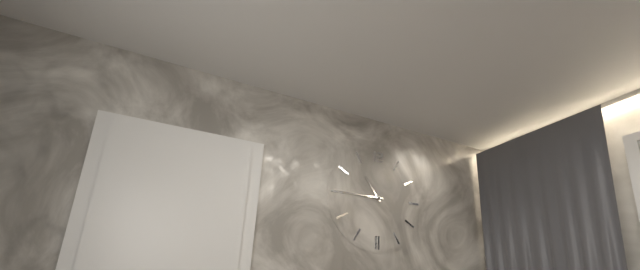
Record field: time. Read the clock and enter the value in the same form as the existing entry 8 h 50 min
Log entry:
10 h 45 min
